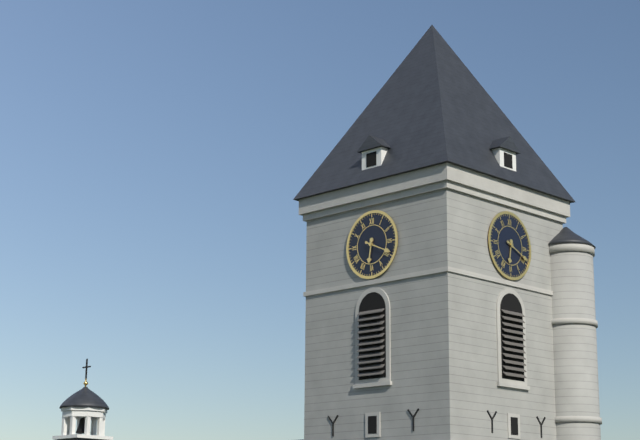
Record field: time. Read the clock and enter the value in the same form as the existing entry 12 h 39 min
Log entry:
6 h 19 min
